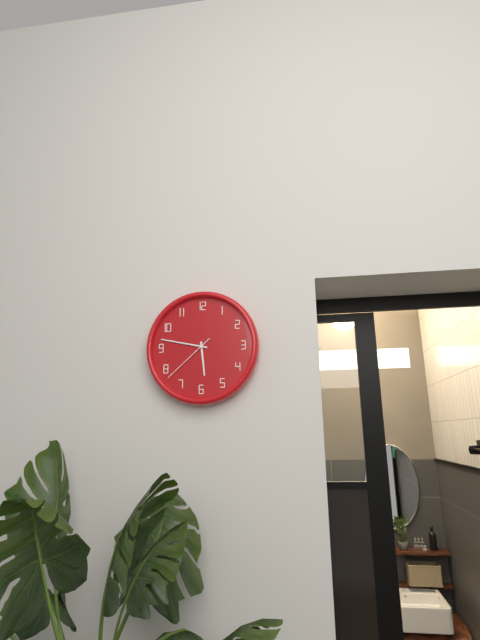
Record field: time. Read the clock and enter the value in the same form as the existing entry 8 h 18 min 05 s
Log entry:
5 h 47 min 38 s
